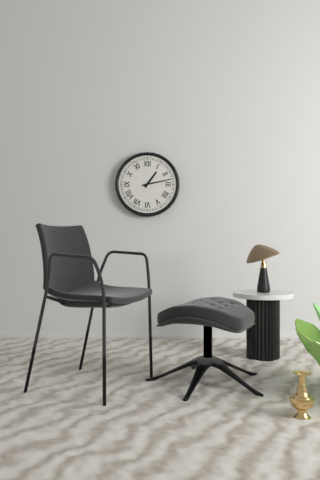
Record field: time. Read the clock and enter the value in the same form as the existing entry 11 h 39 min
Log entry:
1 h 13 min
